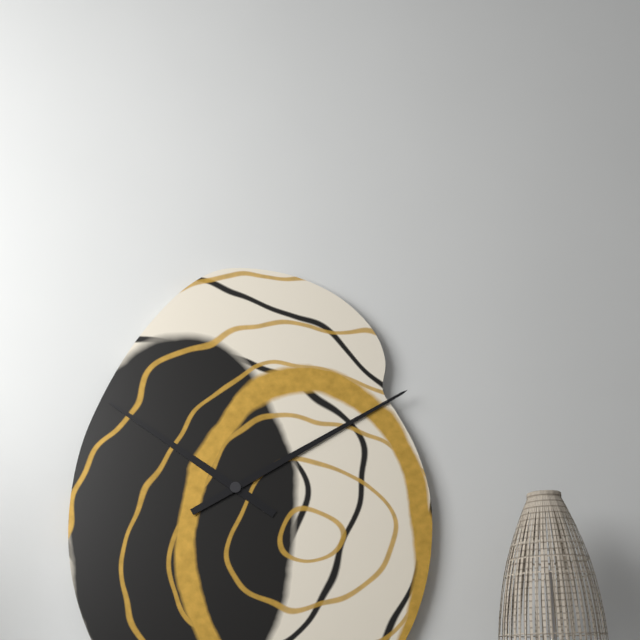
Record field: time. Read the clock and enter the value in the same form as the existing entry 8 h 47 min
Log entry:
10 h 10 min
